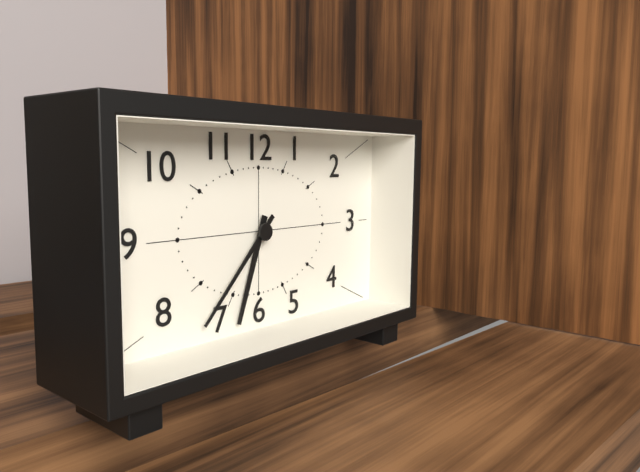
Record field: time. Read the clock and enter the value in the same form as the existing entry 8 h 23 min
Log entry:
6 h 37 min
